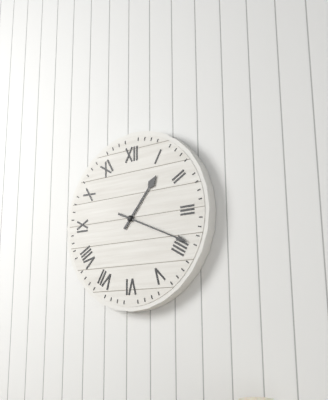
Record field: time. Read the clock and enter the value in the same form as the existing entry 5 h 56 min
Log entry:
1 h 19 min
